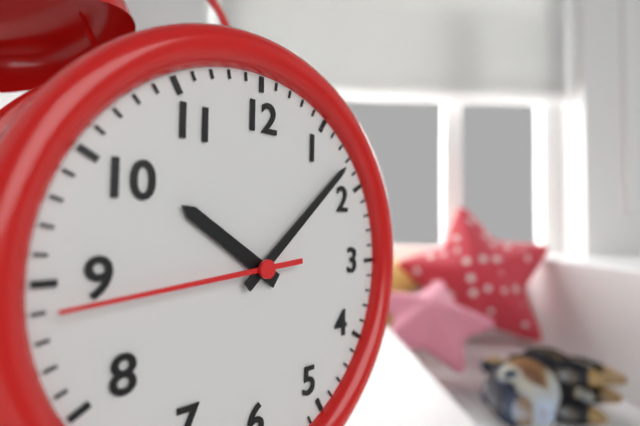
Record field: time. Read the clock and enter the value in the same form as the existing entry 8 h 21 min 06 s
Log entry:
10 h 08 min 44 s
